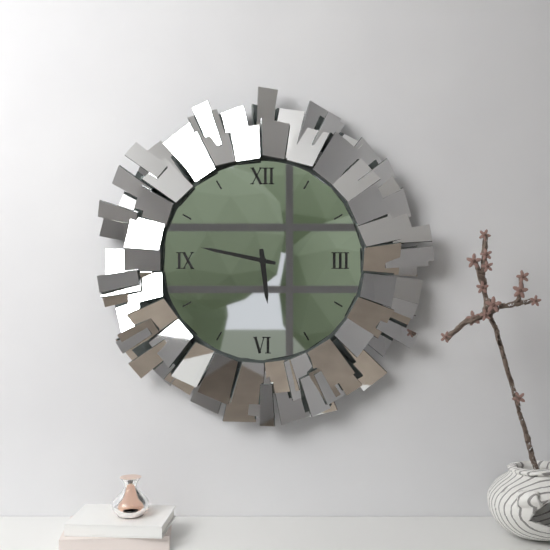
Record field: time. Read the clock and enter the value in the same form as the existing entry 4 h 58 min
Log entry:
5 h 47 min
